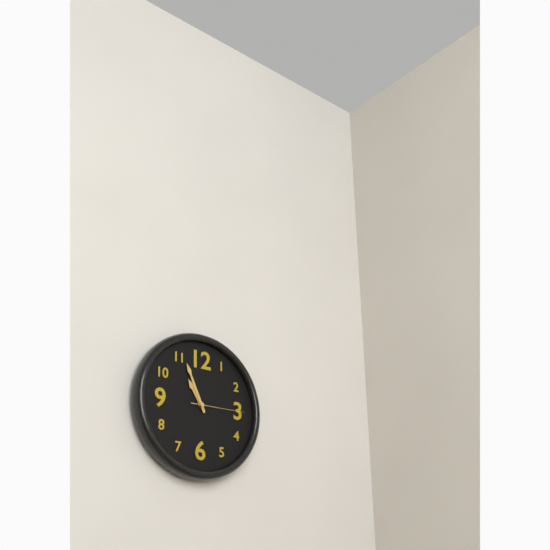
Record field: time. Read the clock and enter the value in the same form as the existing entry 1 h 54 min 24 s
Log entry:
10 h 56 min 15 s
